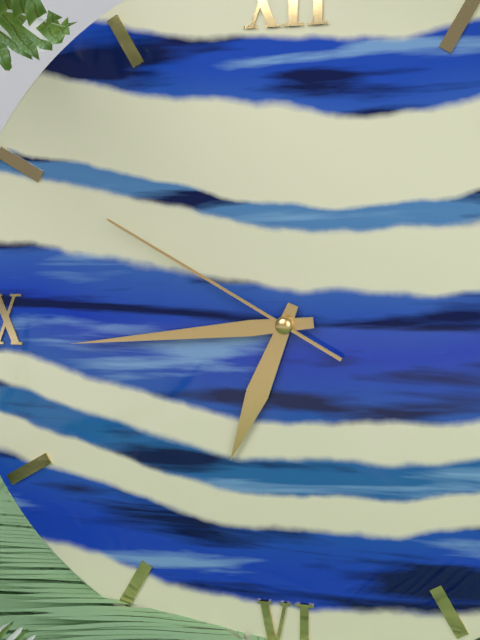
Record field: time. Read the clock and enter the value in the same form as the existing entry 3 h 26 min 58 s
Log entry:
6 h 44 min 50 s
